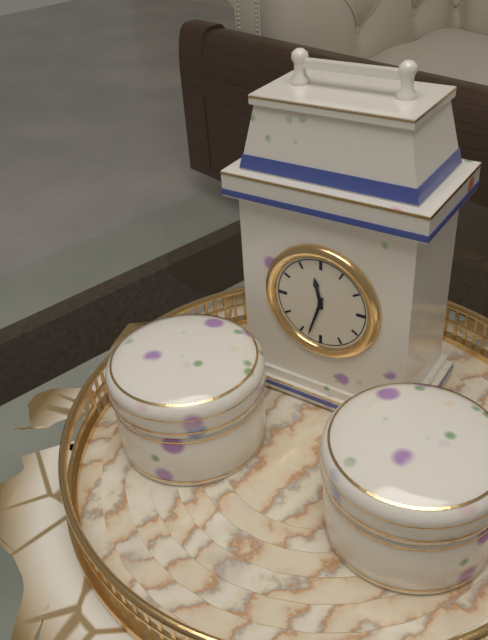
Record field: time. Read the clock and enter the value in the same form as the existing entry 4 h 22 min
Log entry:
11 h 33 min
